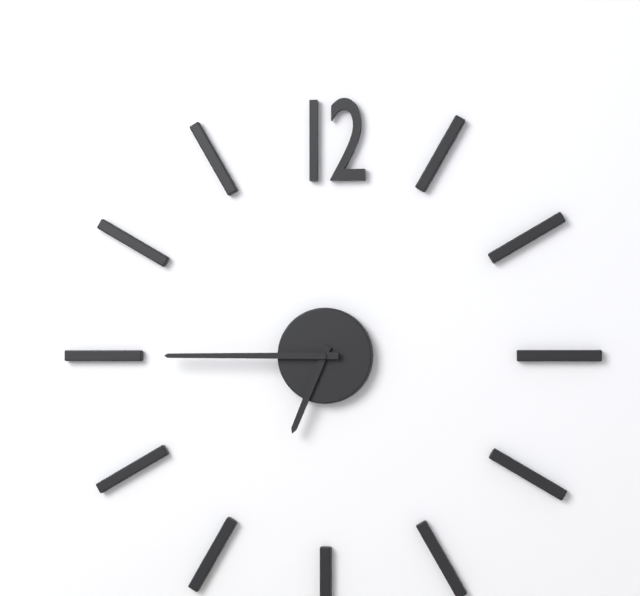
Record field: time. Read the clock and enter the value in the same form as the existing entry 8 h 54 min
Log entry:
6 h 45 min
